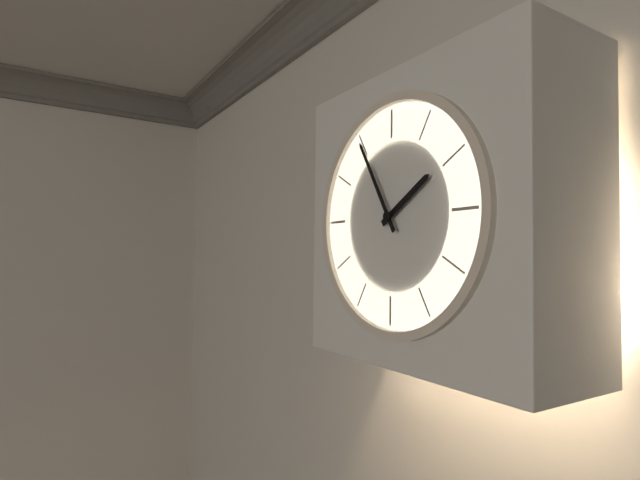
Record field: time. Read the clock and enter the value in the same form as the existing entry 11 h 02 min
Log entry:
1 h 55 min
